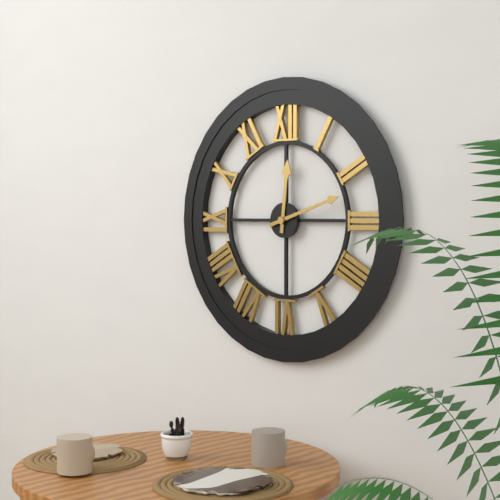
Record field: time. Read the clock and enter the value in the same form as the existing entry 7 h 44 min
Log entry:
12 h 12 min
